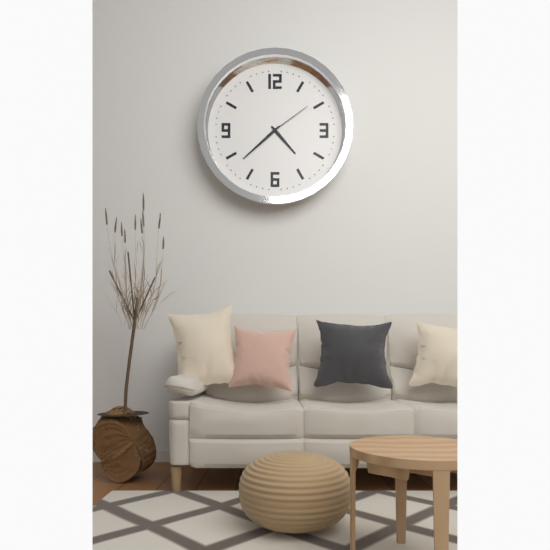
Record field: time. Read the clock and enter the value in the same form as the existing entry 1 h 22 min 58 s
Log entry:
4 h 38 min 09 s
